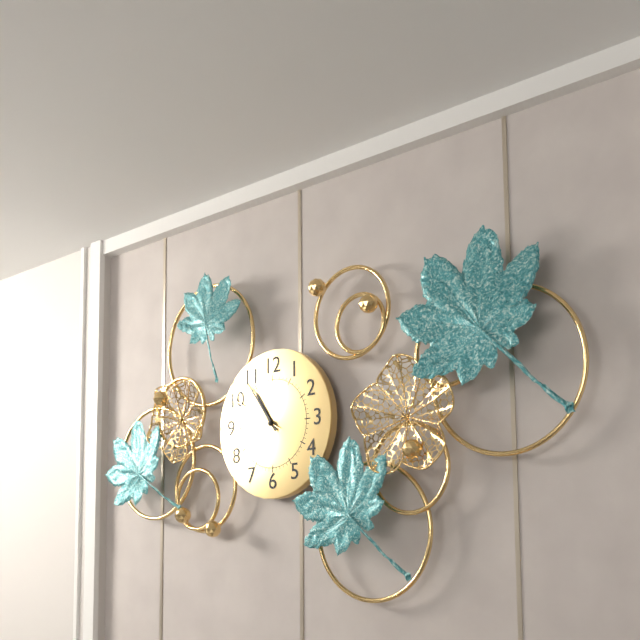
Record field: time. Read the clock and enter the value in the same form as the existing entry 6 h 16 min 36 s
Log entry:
10 h 54 min 50 s
